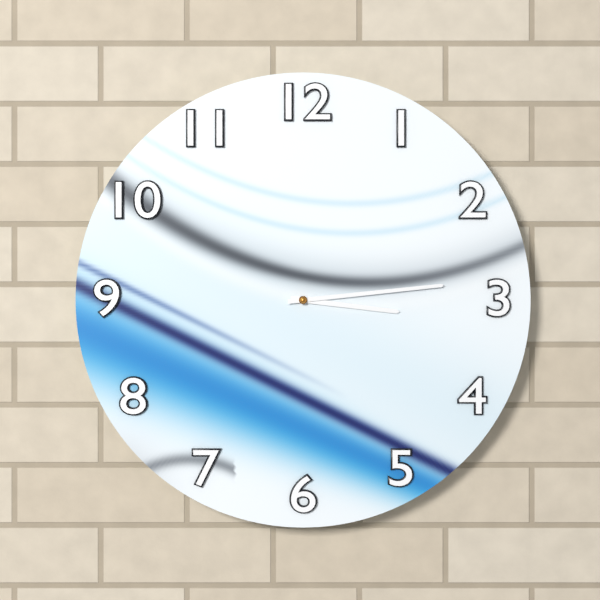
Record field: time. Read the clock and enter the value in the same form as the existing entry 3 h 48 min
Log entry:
3 h 14 min
